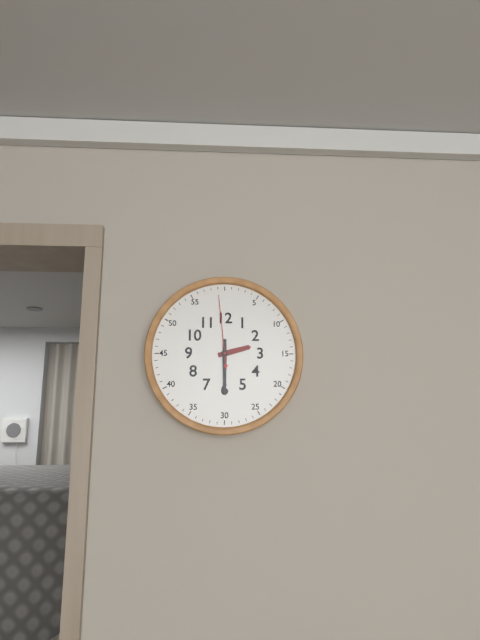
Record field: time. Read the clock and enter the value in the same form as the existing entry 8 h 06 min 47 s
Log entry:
2 h 30 min 59 s
